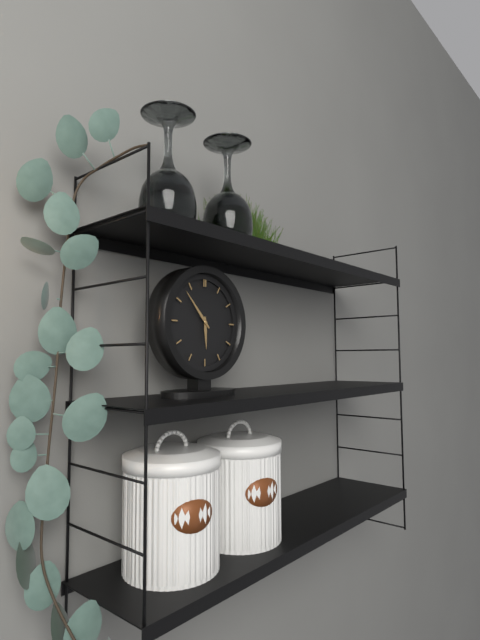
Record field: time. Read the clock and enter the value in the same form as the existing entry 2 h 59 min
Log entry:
5 h 53 min
